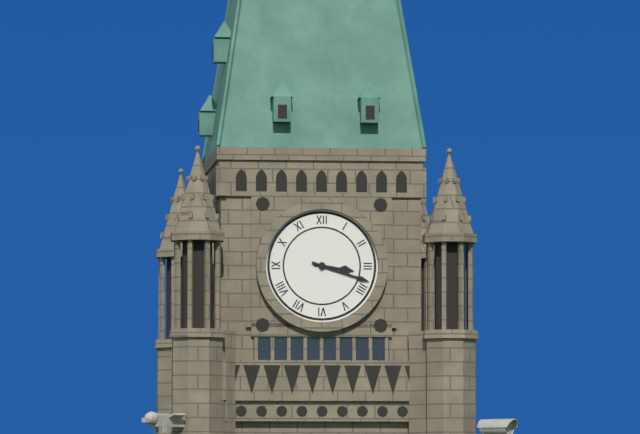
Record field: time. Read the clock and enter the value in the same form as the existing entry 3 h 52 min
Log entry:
3 h 18 min
